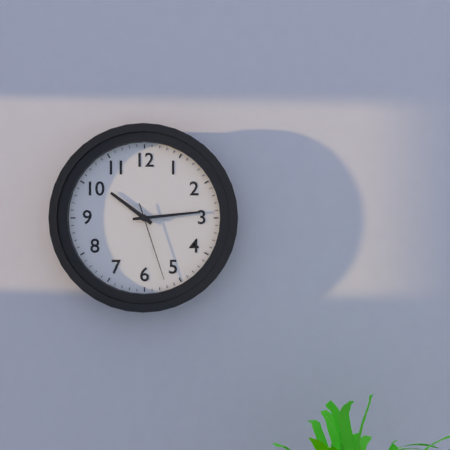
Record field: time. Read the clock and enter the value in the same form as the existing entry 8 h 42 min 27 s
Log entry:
10 h 14 min 27 s
